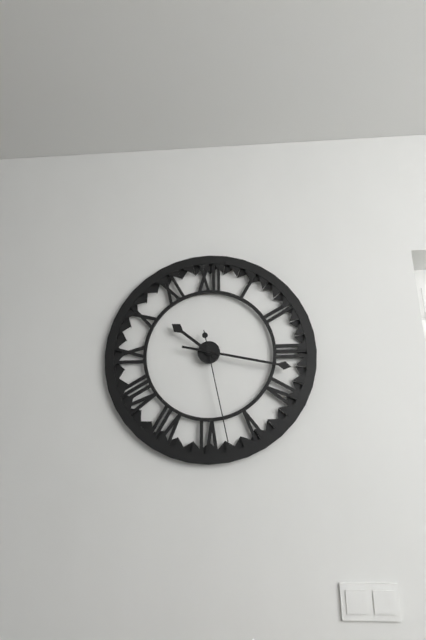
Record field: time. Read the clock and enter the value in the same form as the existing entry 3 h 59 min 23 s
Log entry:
10 h 17 min 28 s
